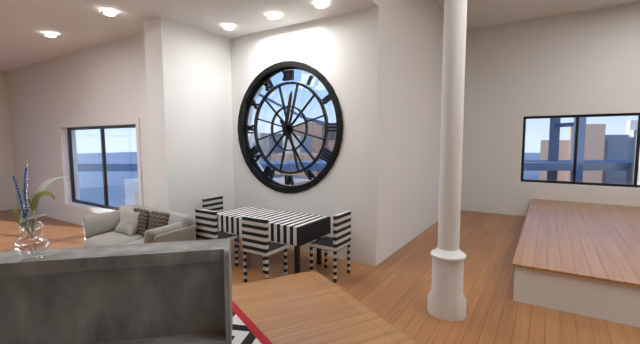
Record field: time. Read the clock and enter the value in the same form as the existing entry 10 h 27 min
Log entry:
12 h 25 min
